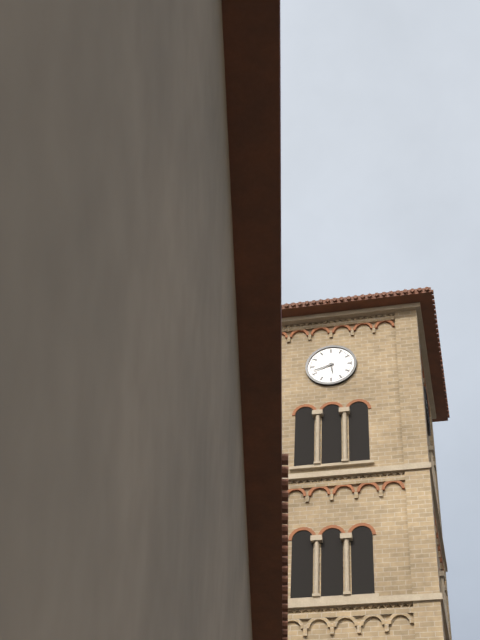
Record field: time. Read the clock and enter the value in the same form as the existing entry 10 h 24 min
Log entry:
5 h 42 min
